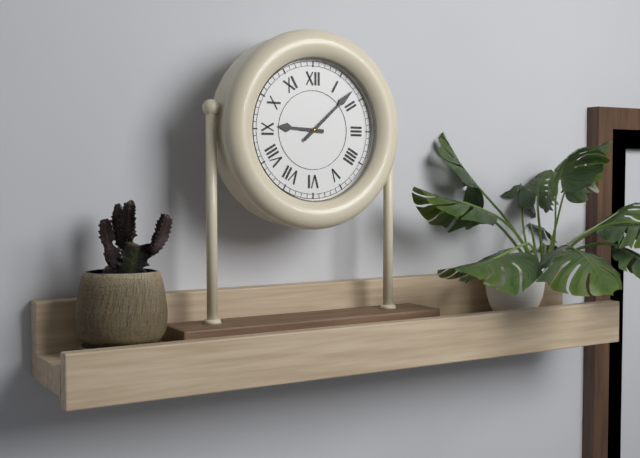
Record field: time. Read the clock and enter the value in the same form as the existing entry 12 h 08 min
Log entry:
9 h 08 min
